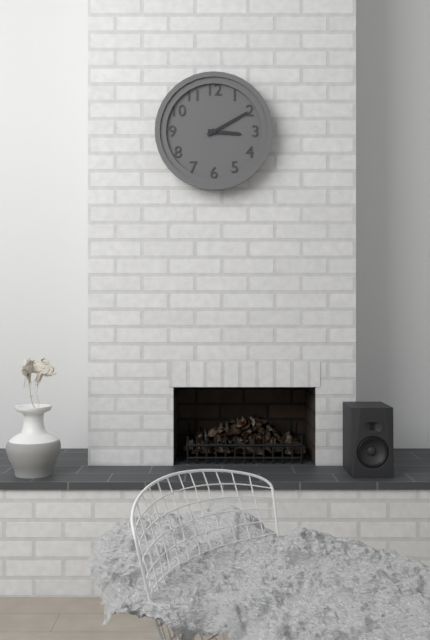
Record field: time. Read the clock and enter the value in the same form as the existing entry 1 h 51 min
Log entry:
3 h 10 min
